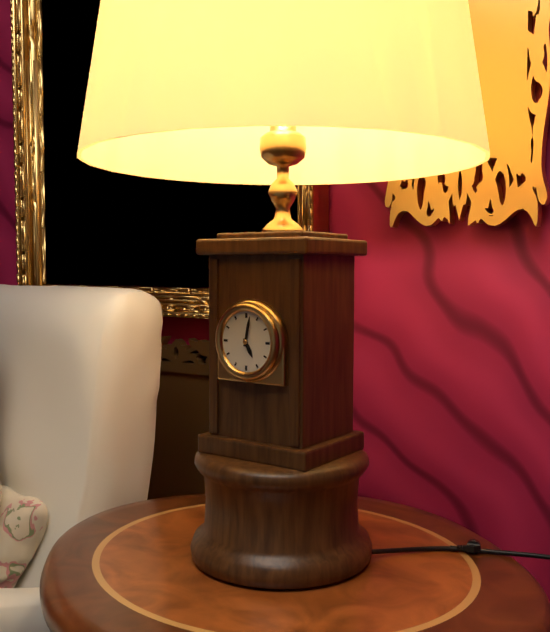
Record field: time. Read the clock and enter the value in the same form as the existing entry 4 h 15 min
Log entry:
5 h 02 min
